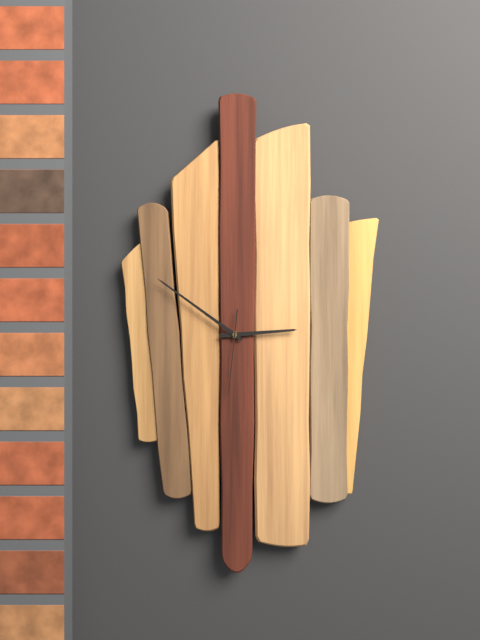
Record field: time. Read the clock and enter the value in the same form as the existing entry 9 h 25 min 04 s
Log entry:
2 h 51 min 31 s
